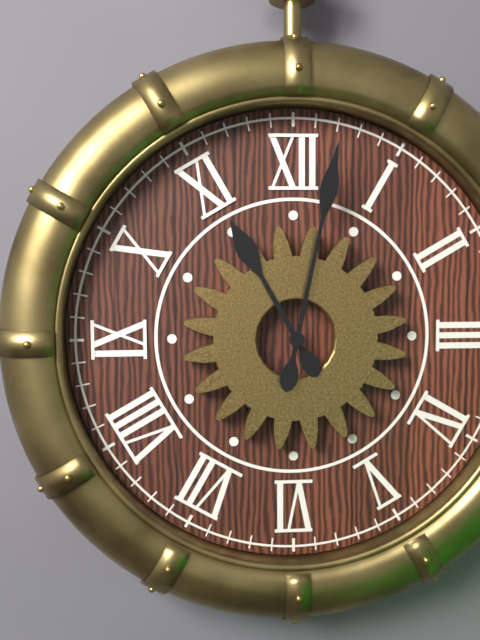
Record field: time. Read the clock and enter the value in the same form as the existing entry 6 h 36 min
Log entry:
11 h 02 min
